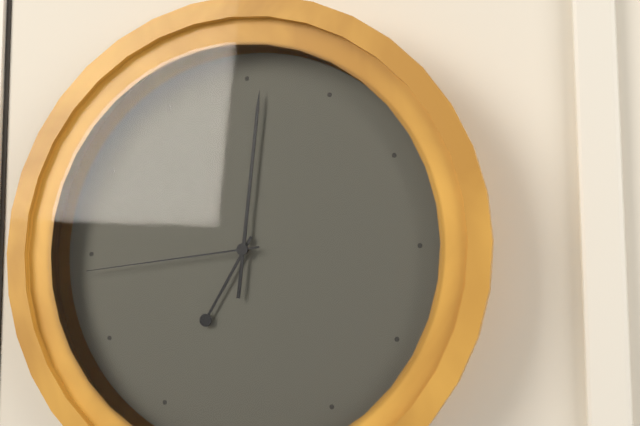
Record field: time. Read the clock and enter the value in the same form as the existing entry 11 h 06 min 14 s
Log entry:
7 h 01 min 44 s
